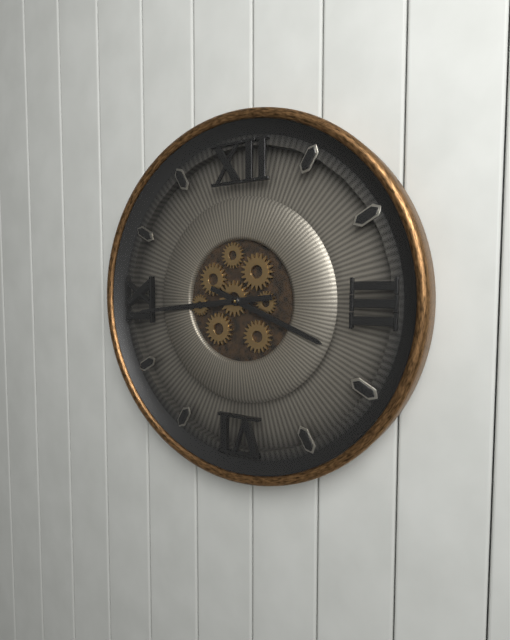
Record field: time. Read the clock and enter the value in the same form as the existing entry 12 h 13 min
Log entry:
3 h 44 min
